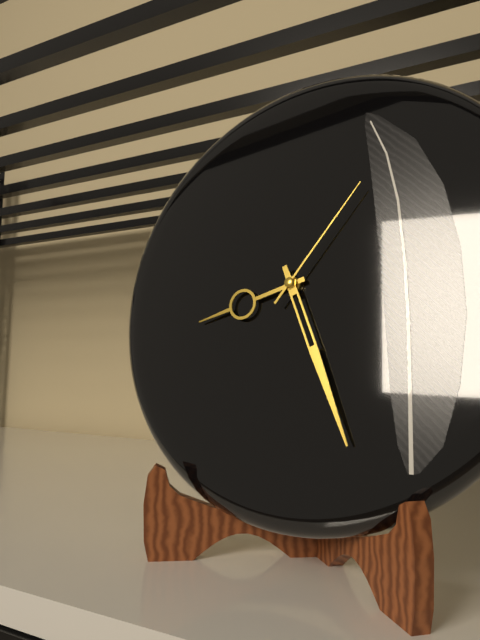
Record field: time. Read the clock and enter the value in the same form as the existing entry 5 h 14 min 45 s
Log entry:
8 h 26 min 06 s
